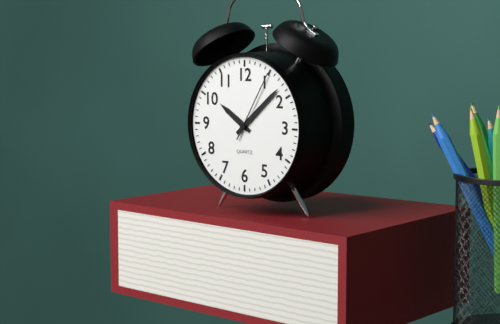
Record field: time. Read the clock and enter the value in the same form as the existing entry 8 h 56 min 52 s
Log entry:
10 h 08 min 05 s
